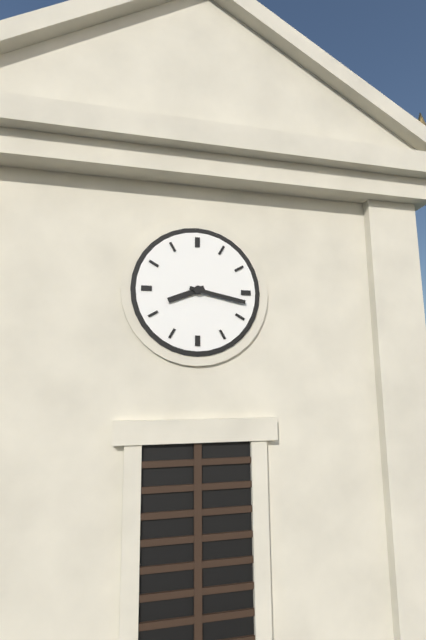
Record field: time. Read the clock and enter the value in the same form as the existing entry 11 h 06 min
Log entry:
8 h 17 min
